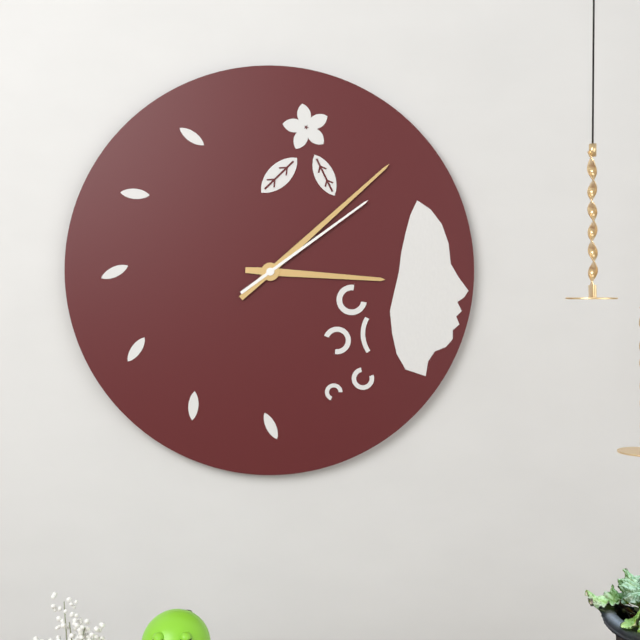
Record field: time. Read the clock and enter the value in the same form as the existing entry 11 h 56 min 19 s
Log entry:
3 h 08 min 09 s
